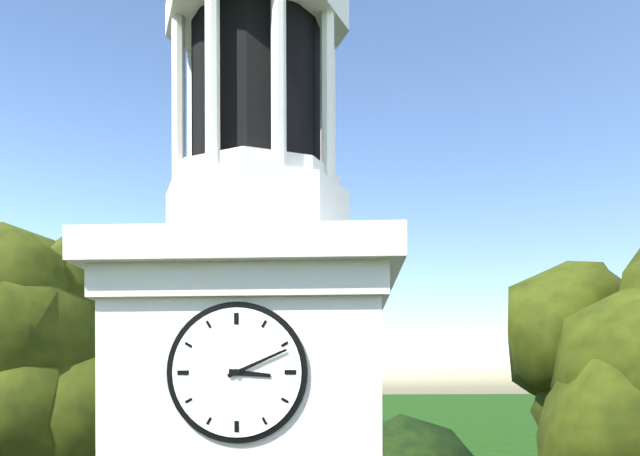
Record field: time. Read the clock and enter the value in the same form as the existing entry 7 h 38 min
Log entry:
3 h 11 min
